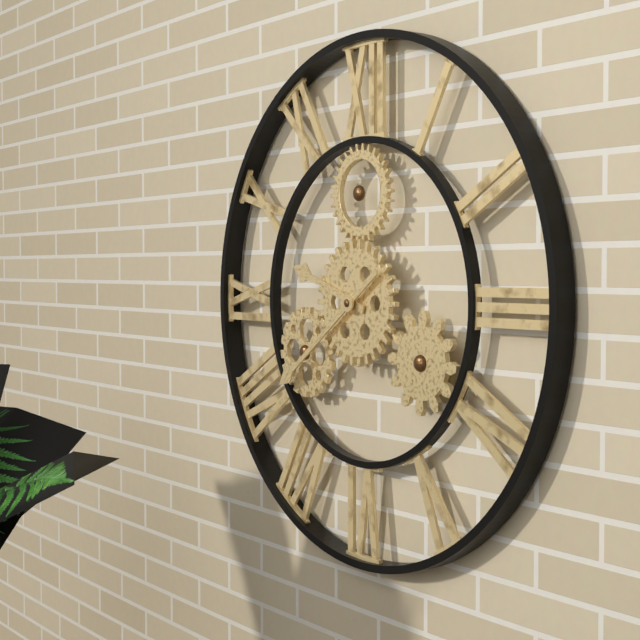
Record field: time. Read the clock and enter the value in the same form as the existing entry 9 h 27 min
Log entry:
9 h 39 min
